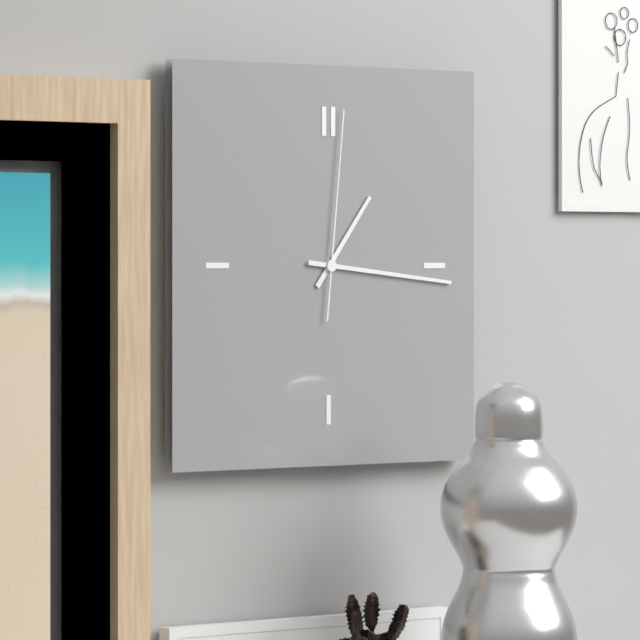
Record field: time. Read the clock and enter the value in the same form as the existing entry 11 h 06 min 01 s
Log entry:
1 h 16 min 01 s
